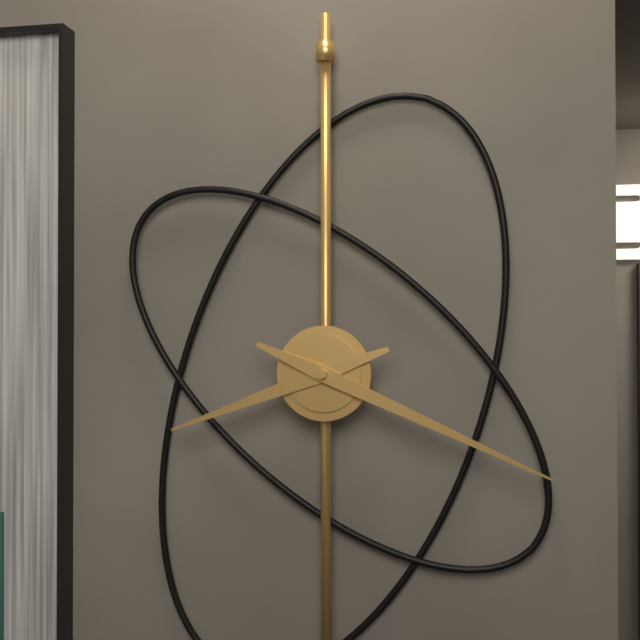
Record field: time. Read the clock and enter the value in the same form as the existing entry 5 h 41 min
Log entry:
8 h 19 min
